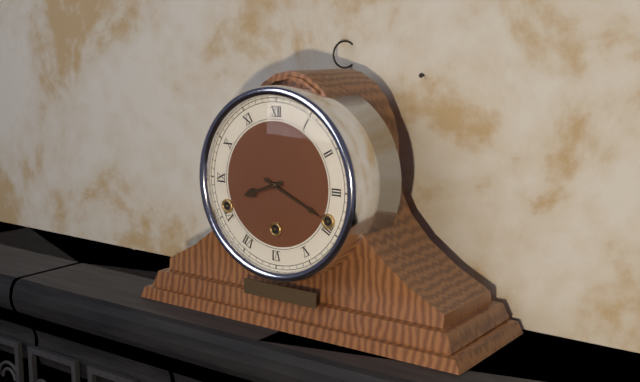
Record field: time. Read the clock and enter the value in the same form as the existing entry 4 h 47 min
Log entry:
8 h 19 min
